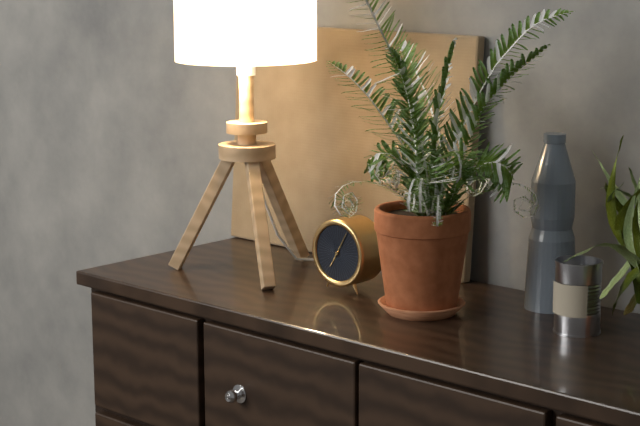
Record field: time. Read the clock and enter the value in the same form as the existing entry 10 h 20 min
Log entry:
7 h 05 min
